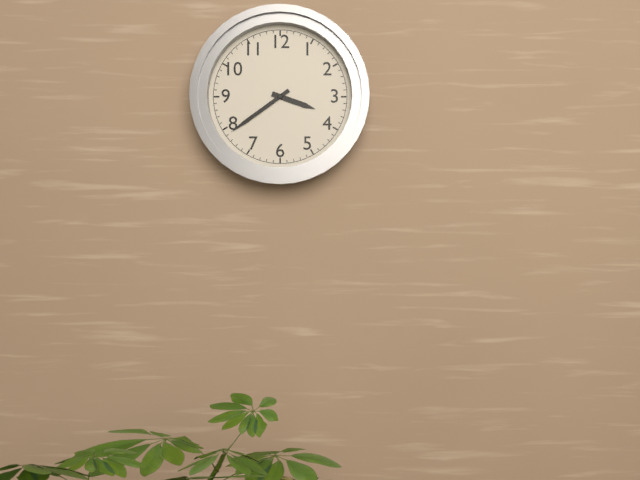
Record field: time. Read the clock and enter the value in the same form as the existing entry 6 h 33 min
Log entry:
3 h 39 min
